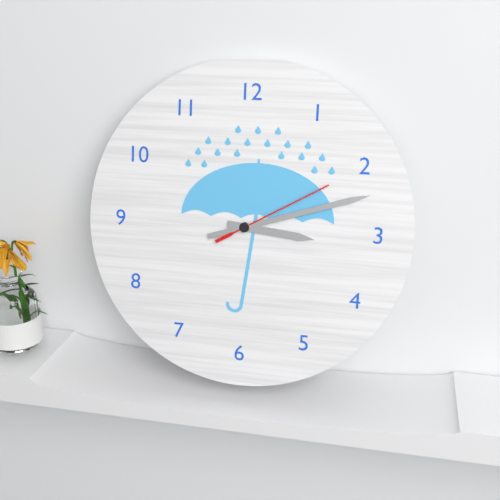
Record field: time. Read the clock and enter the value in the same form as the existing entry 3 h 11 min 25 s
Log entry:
3 h 12 min 10 s
